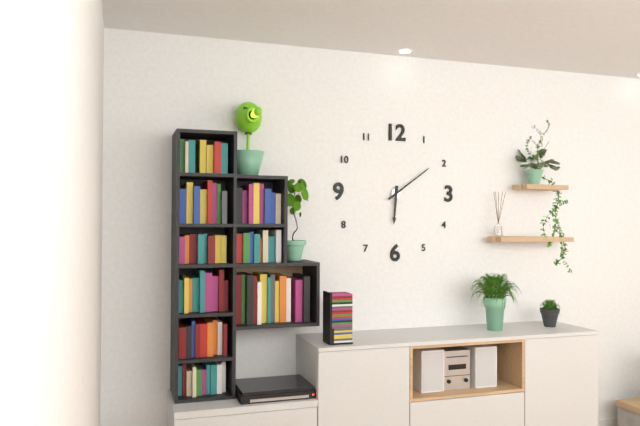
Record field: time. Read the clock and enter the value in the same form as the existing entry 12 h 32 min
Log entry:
6 h 09 min
